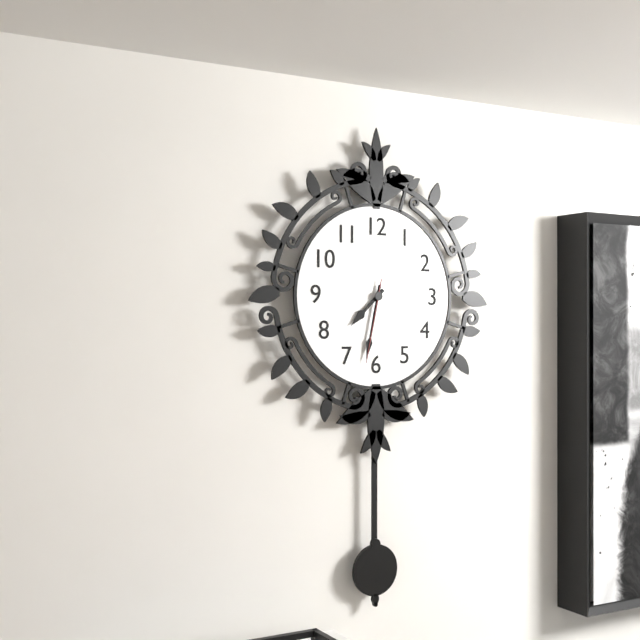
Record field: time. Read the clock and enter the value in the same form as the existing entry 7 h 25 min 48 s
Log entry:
7 h 32 min 32 s
